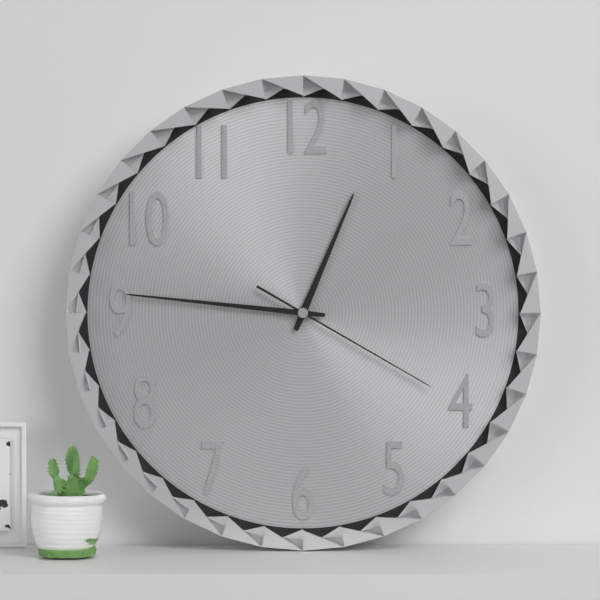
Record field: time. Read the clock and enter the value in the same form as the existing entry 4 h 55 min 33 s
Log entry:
12 h 46 min 20 s
